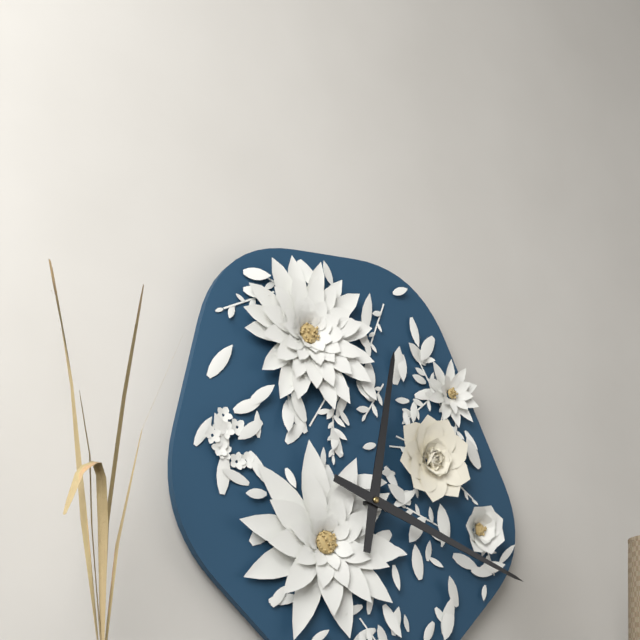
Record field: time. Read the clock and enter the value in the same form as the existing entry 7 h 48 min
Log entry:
12 h 18 min
